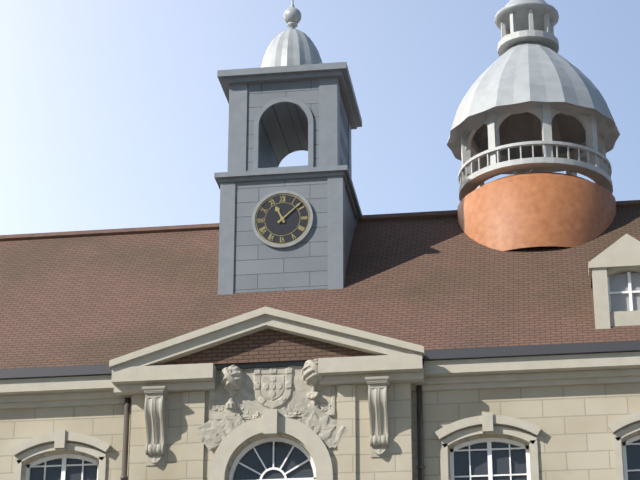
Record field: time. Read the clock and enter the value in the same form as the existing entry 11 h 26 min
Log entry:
11 h 08 min
